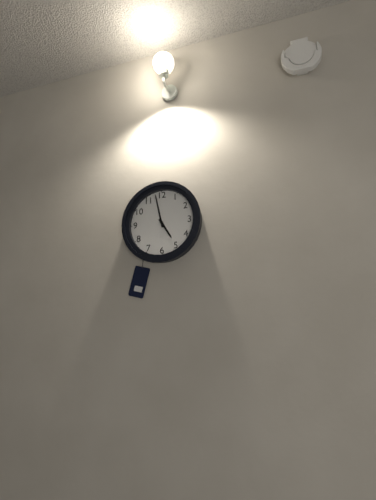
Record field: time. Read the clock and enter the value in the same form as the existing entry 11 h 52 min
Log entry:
4 h 58 min
